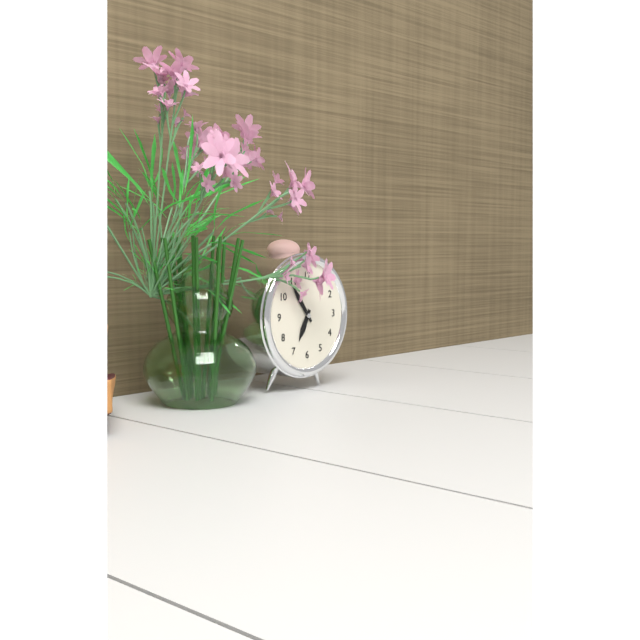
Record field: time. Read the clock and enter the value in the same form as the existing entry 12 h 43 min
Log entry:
6 h 54 min
